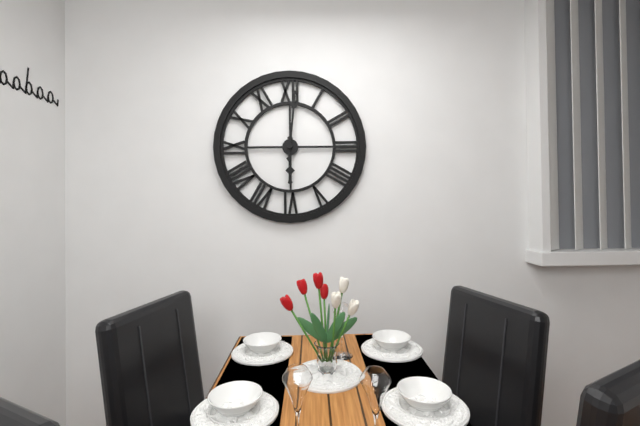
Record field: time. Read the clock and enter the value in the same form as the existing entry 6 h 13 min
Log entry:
6 h 01 min
